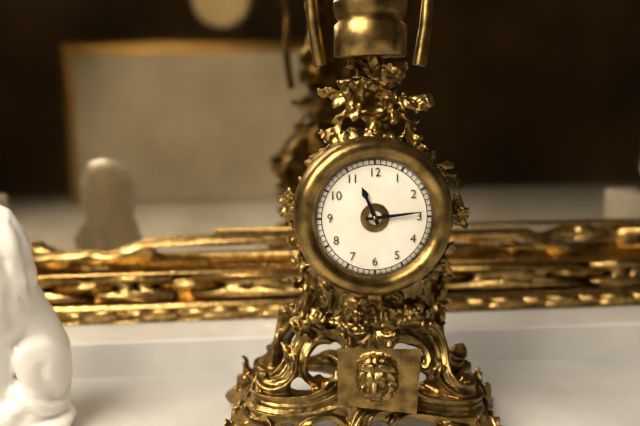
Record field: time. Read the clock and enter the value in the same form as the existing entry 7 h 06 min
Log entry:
11 h 14 min
